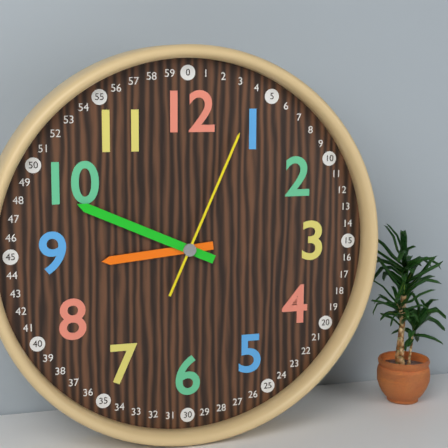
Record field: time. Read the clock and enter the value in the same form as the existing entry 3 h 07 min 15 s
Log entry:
8 h 49 min 04 s
